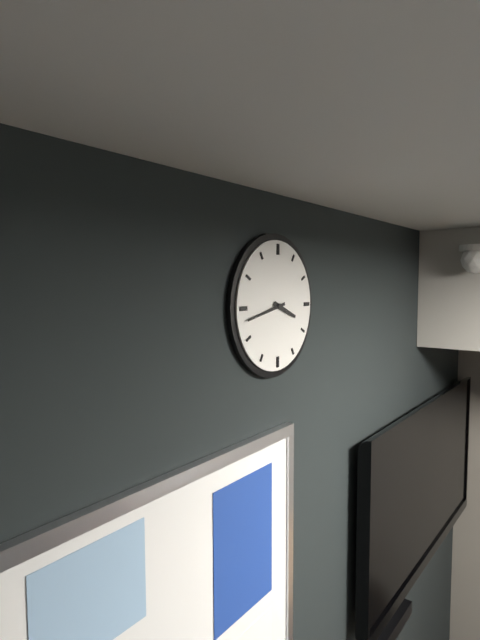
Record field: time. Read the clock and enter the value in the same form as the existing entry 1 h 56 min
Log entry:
3 h 43 min
